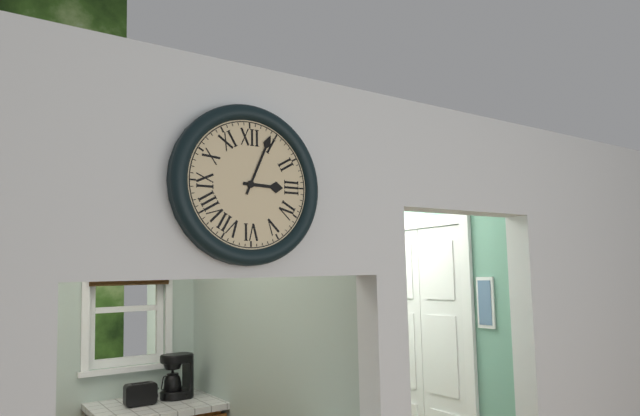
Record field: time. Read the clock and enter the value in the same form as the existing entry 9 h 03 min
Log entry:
3 h 04 min
